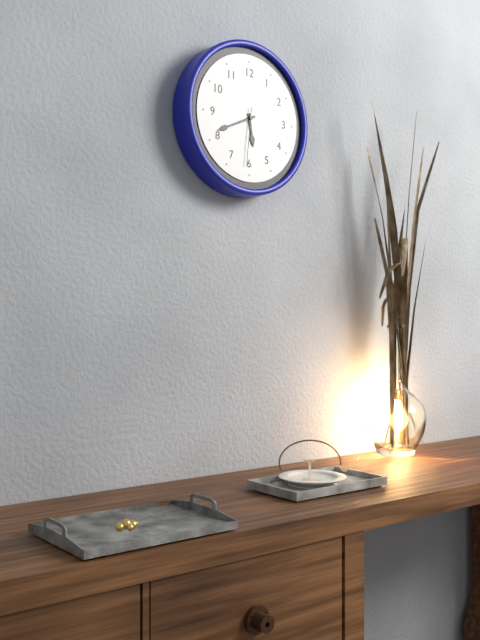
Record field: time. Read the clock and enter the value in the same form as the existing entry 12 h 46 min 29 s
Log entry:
5 h 41 min 31 s
